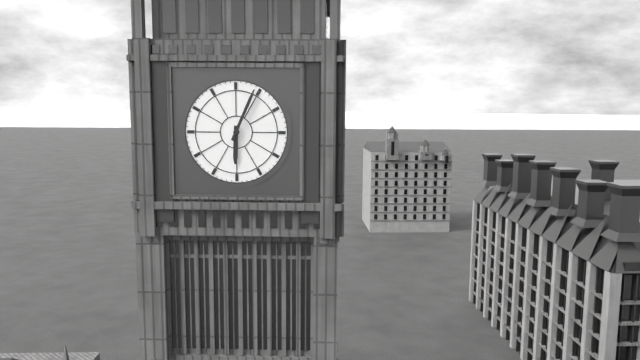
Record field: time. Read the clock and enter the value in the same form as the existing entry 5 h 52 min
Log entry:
6 h 04 min
